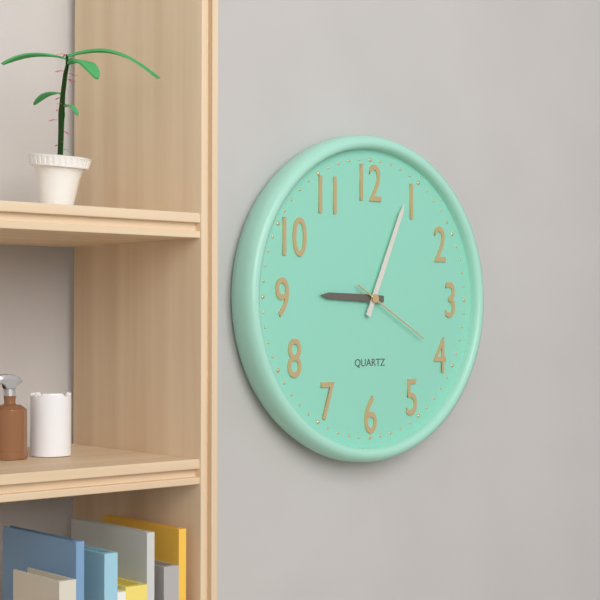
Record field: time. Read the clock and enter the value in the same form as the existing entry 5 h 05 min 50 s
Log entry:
9 h 04 min 20 s
